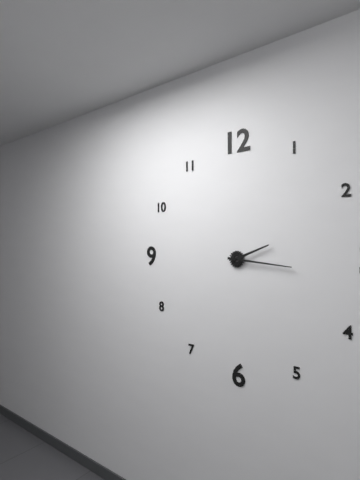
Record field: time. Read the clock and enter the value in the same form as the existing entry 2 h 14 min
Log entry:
2 h 16 min
